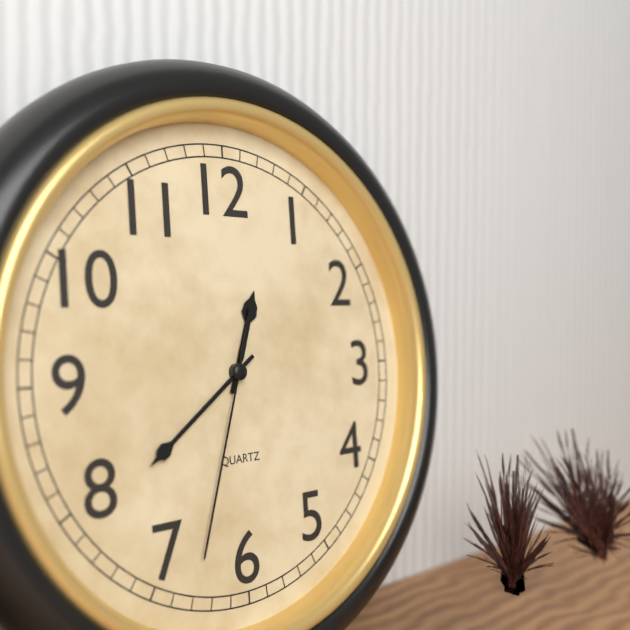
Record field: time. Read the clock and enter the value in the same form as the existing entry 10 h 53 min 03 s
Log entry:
12 h 39 min 33 s
